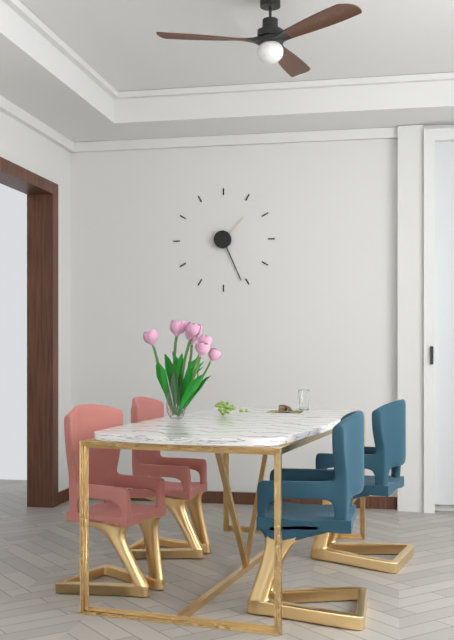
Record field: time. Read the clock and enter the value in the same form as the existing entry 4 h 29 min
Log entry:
1 h 26 min
